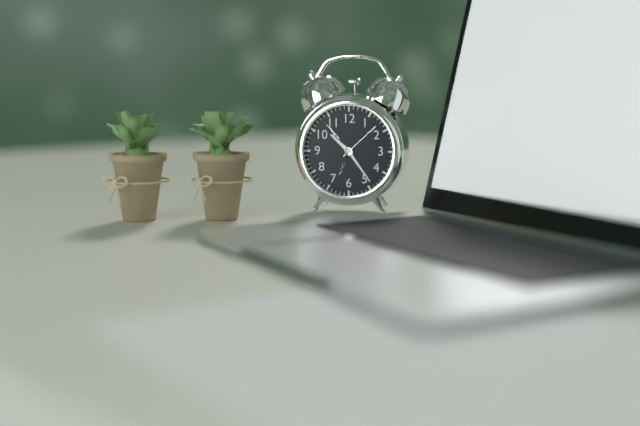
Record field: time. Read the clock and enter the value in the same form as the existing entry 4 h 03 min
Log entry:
10 h 24 min
